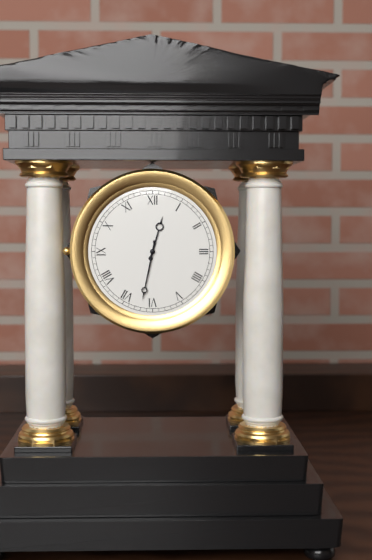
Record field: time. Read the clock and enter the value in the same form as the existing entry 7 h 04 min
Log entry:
12 h 32 min
